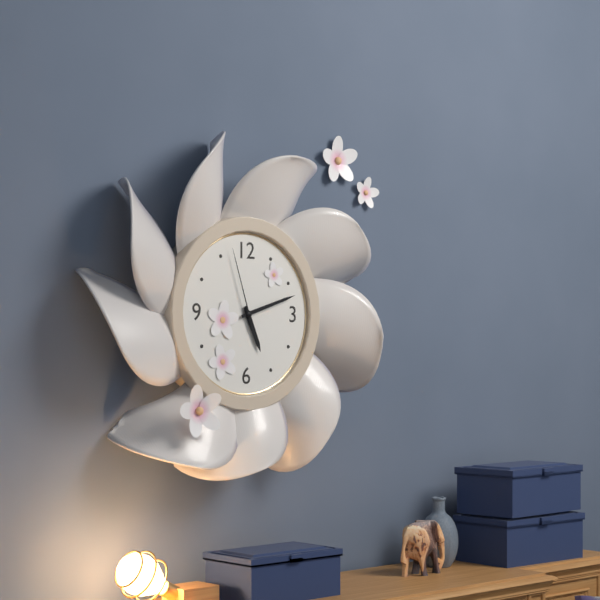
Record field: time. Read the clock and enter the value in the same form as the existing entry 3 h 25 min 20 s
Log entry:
5 h 12 min 57 s
